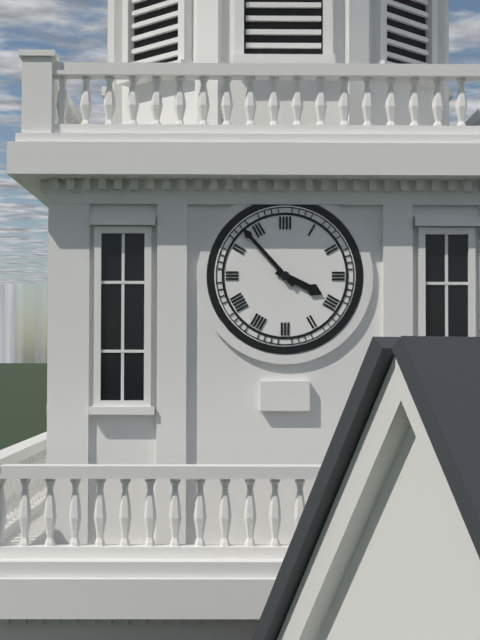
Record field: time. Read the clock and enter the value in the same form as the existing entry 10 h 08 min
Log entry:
3 h 53 min
